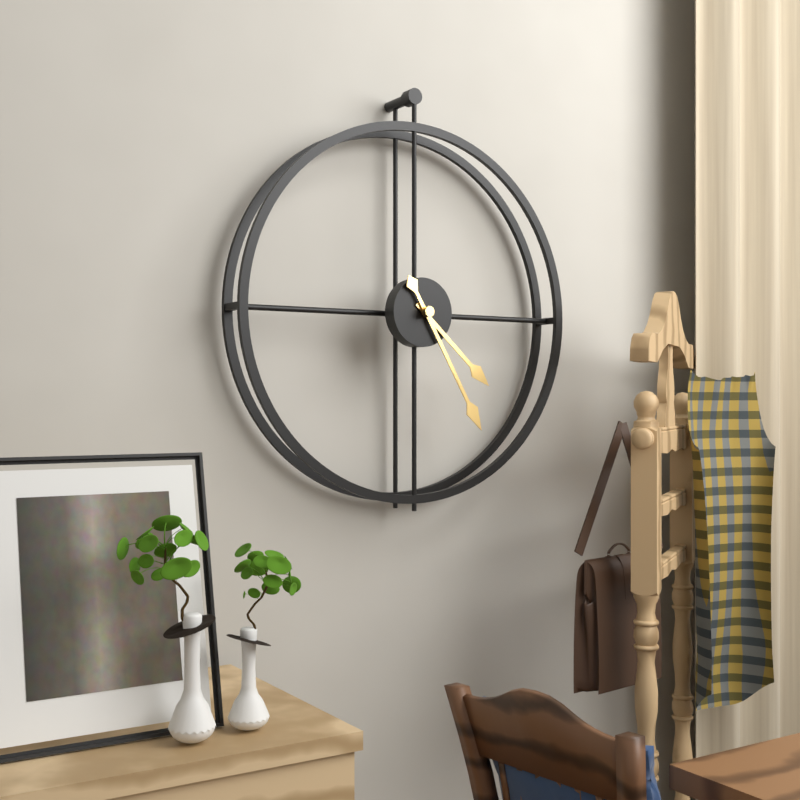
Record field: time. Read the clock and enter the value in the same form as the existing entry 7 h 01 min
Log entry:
4 h 25 min
